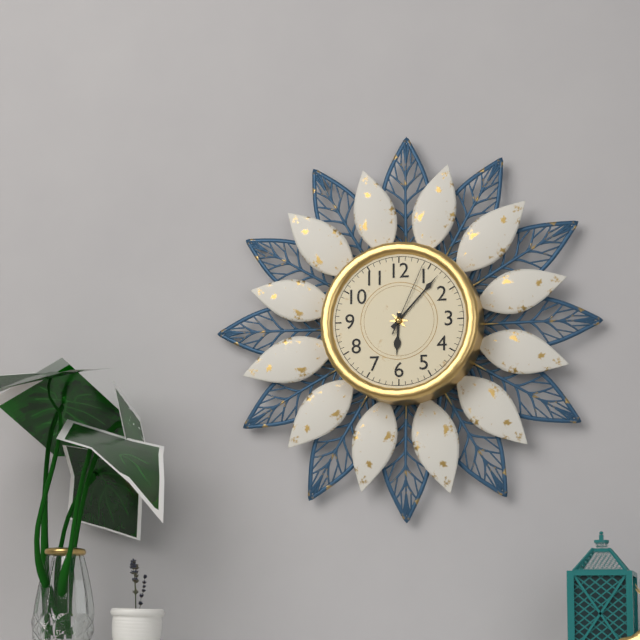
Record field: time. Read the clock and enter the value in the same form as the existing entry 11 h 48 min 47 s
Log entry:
6 h 07 min 04 s
